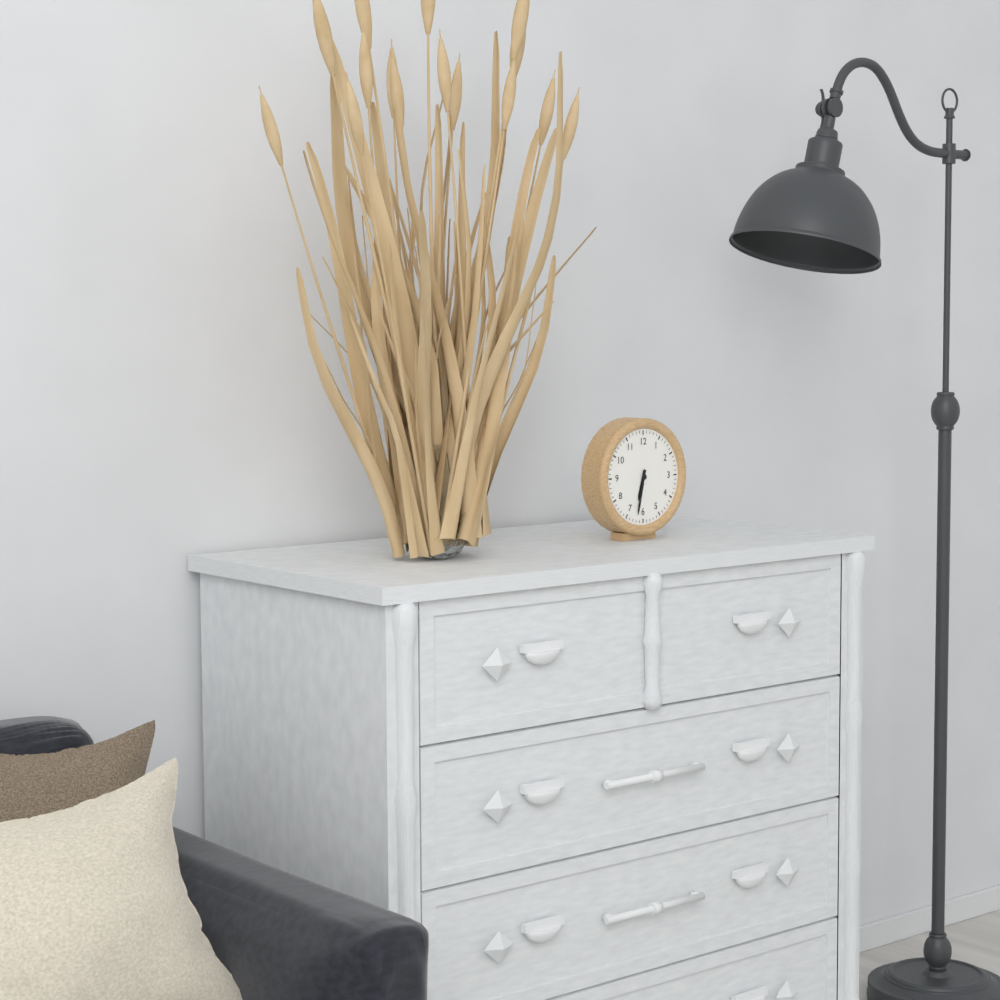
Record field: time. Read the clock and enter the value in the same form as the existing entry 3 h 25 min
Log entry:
6 h 32 min
